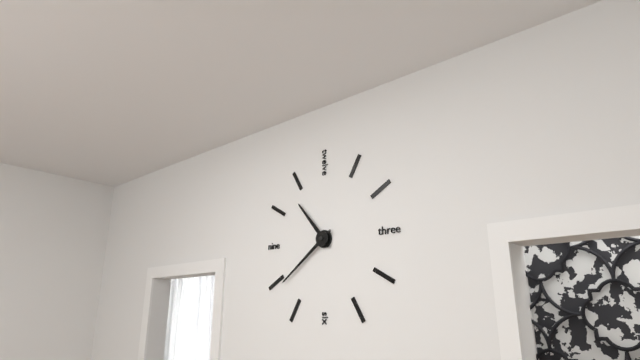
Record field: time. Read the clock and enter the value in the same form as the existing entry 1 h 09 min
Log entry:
10 h 39 min
